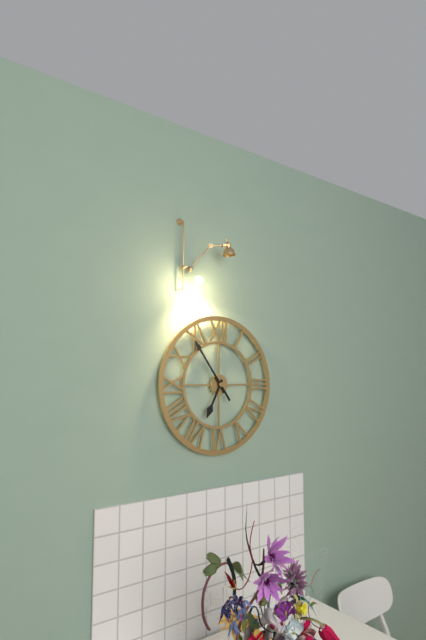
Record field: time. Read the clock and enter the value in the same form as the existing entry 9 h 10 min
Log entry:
6 h 54 min
